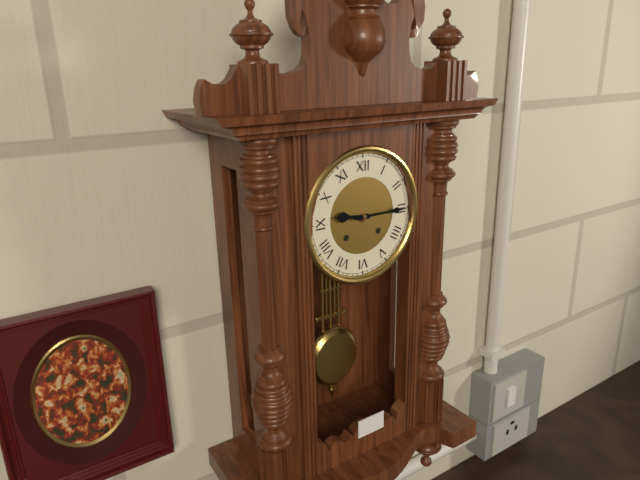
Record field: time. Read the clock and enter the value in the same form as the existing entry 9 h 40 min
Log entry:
9 h 15 min
